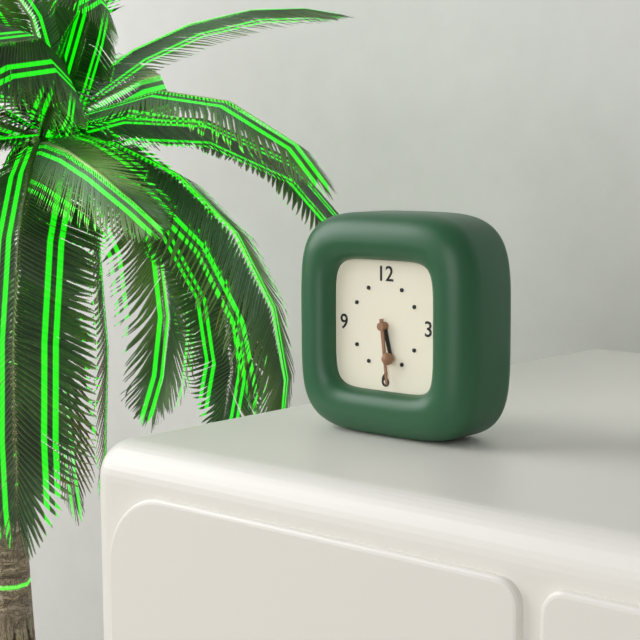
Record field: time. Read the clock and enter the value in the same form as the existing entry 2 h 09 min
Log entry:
5 h 29 min
